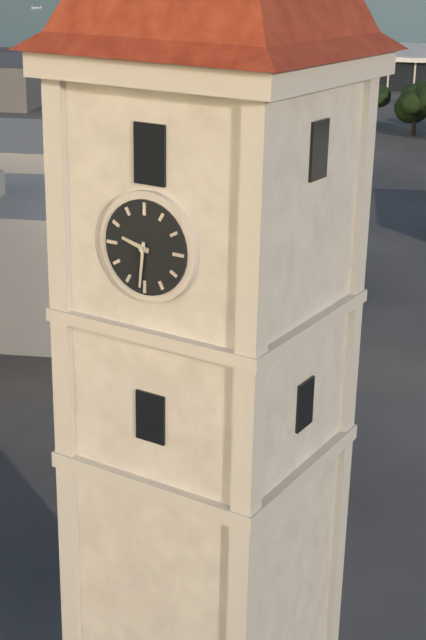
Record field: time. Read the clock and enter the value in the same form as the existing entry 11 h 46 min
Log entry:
9 h 31 min
